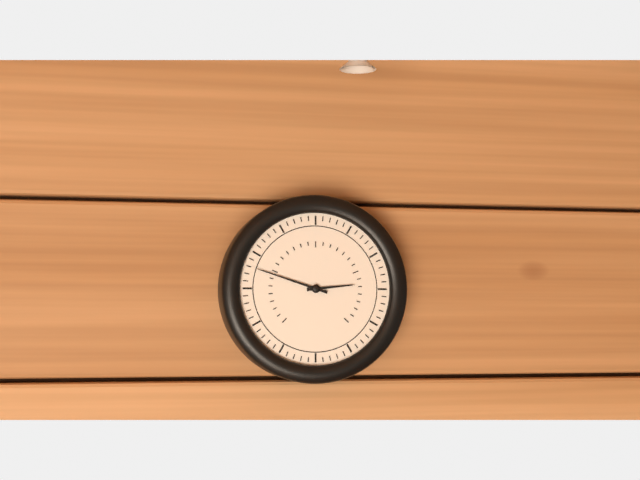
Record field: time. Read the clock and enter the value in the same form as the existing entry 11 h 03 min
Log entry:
2 h 48 min
